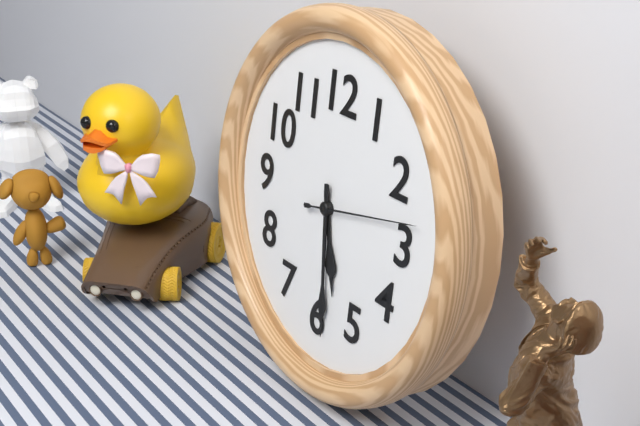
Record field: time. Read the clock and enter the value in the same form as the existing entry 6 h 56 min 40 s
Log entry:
5 h 29 min 13 s
